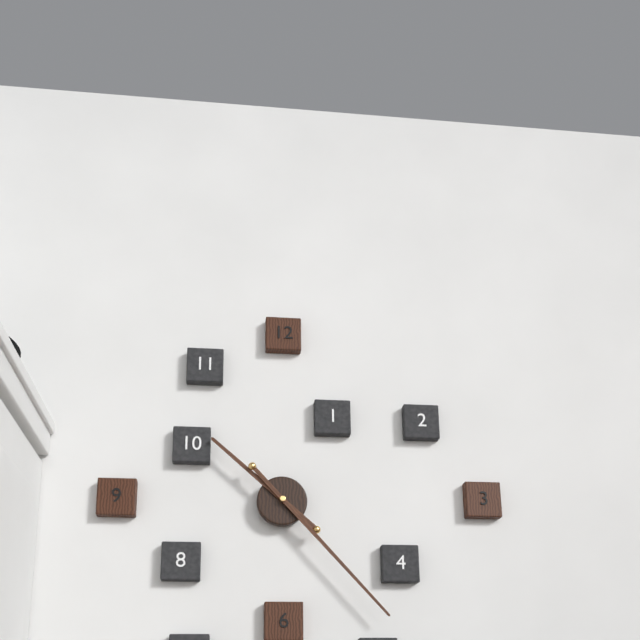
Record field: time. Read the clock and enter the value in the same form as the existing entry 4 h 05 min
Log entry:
10 h 23 min
